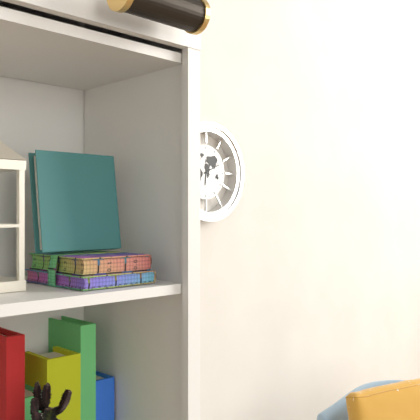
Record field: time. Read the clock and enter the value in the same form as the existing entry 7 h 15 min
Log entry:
6 h 11 min
